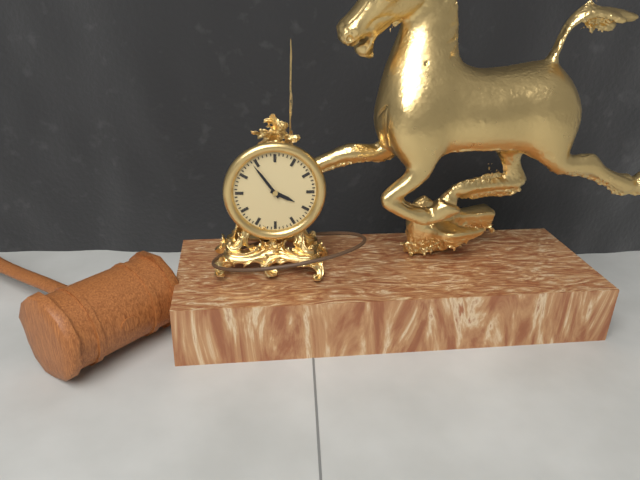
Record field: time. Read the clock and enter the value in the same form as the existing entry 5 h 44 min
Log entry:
3 h 54 min
